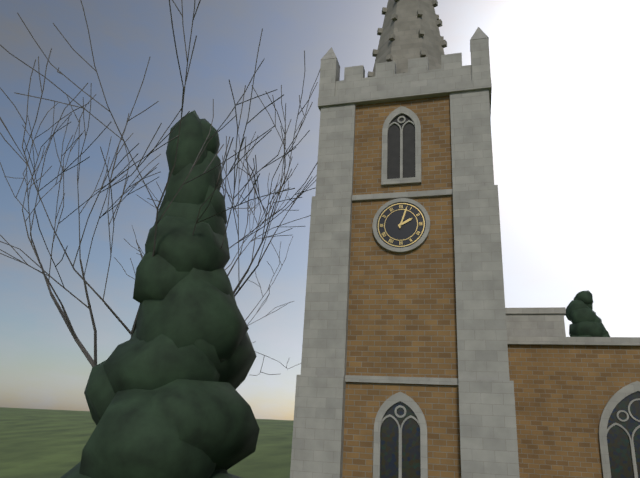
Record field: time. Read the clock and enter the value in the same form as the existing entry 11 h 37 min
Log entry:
2 h 03 min
